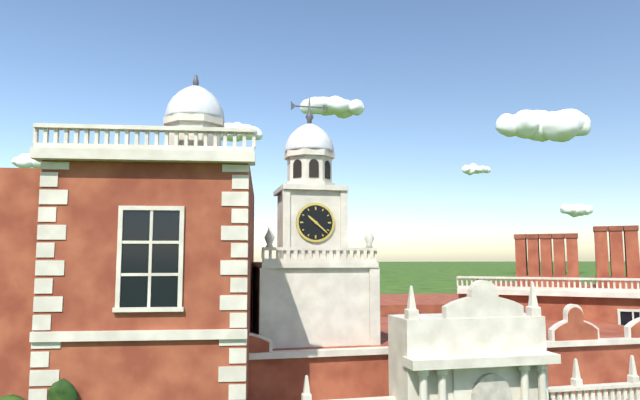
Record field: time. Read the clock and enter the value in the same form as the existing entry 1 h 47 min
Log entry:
10 h 22 min
